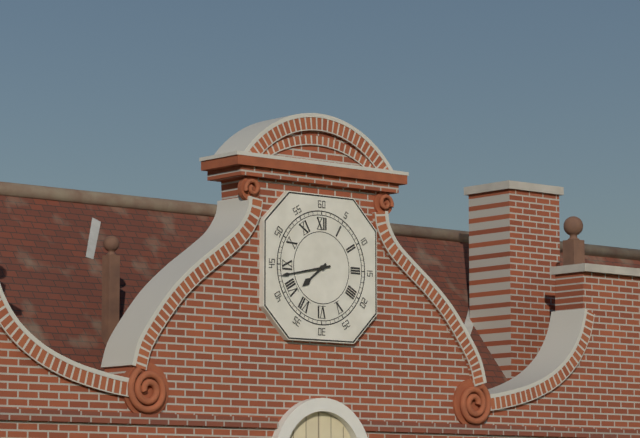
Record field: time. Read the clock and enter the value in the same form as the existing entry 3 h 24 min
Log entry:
7 h 43 min
